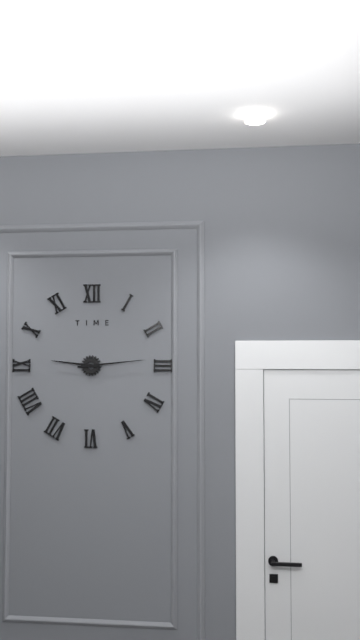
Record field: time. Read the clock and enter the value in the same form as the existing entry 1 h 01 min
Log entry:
9 h 14 min
